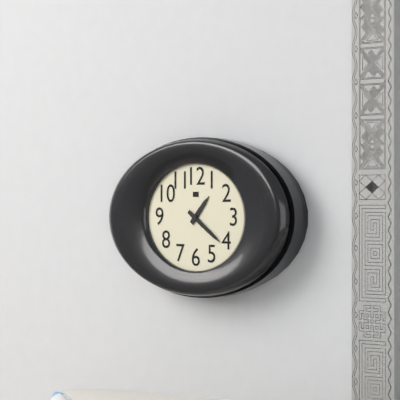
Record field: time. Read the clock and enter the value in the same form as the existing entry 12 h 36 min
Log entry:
1 h 21 min
